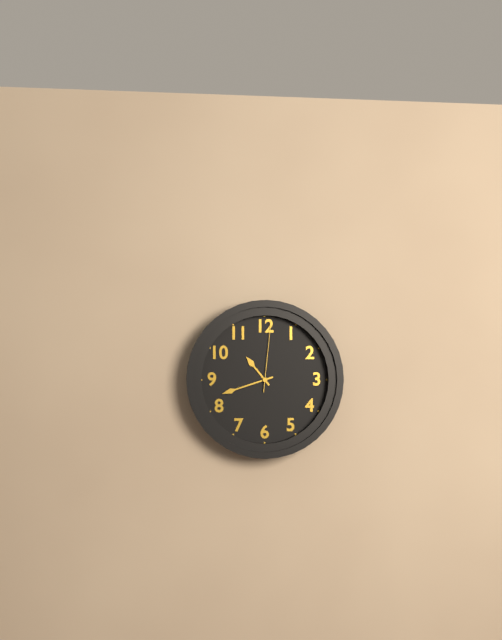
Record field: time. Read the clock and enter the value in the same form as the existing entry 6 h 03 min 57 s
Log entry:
10 h 42 min 01 s
